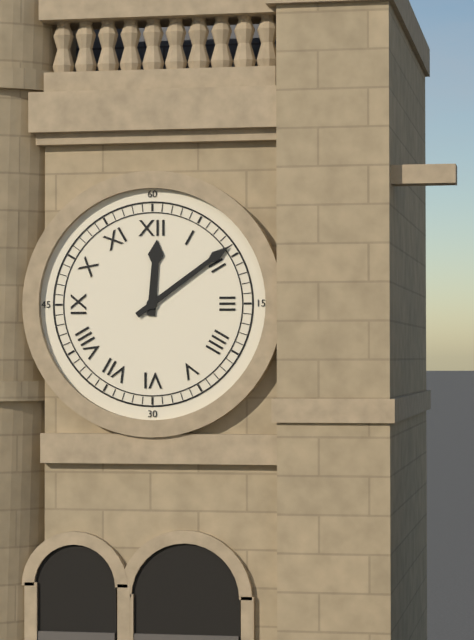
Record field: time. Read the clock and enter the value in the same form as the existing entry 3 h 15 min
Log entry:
12 h 09 min
